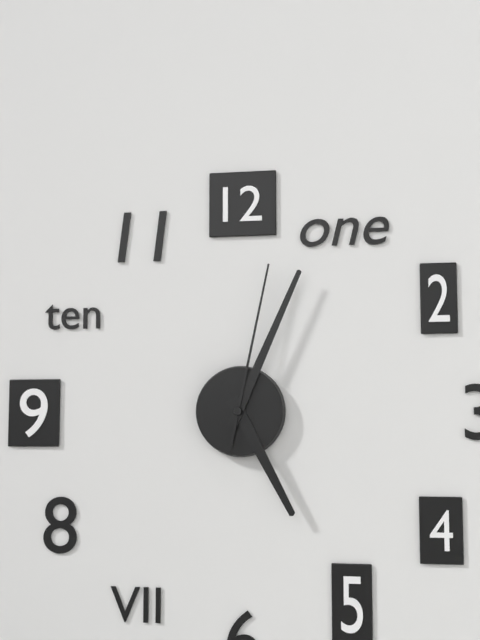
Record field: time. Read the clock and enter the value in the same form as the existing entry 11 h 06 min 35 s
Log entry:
5 h 04 min 02 s
